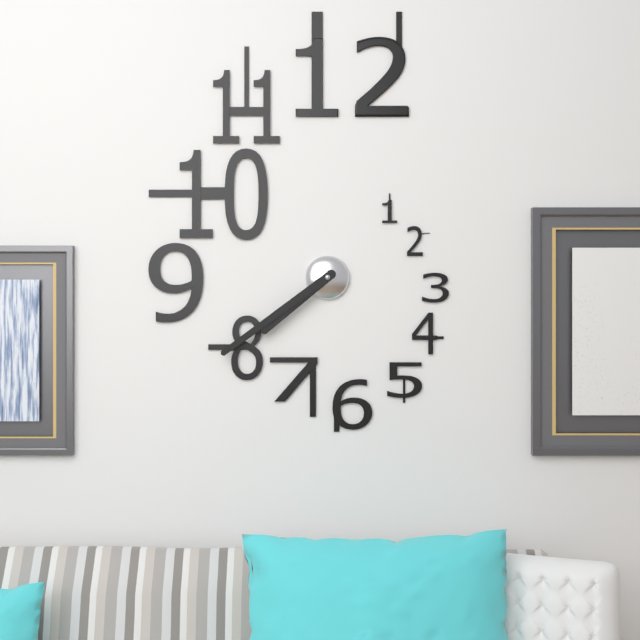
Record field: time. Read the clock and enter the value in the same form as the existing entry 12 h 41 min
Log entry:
7 h 39 min
